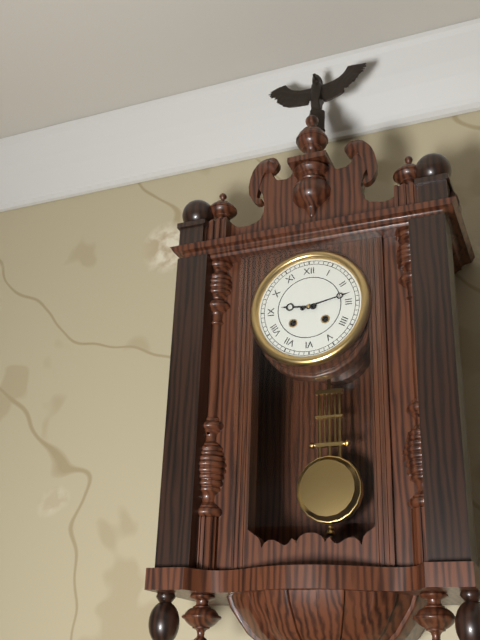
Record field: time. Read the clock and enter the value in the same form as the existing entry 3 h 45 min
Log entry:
9 h 13 min
